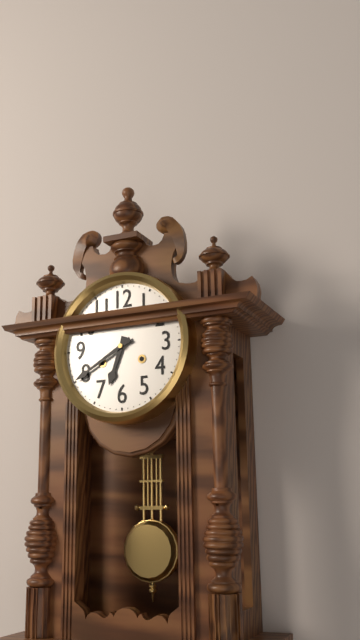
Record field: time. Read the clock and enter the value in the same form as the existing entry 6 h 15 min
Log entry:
6 h 40 min
